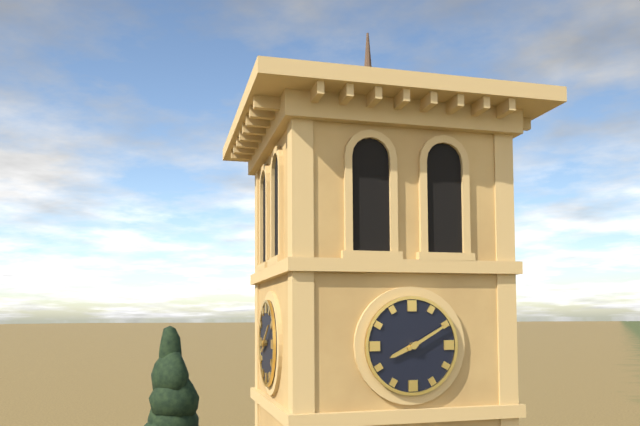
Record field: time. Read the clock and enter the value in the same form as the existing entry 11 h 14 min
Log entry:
8 h 10 min
